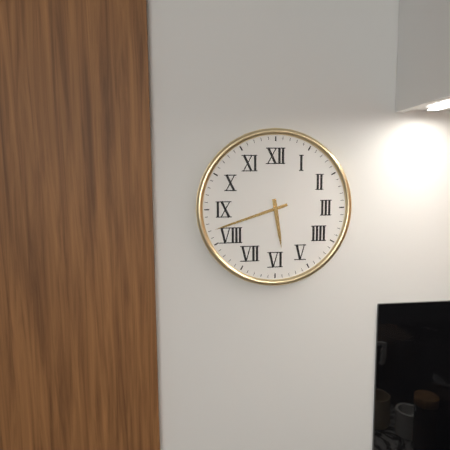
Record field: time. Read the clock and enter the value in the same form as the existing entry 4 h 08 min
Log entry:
5 h 42 min
